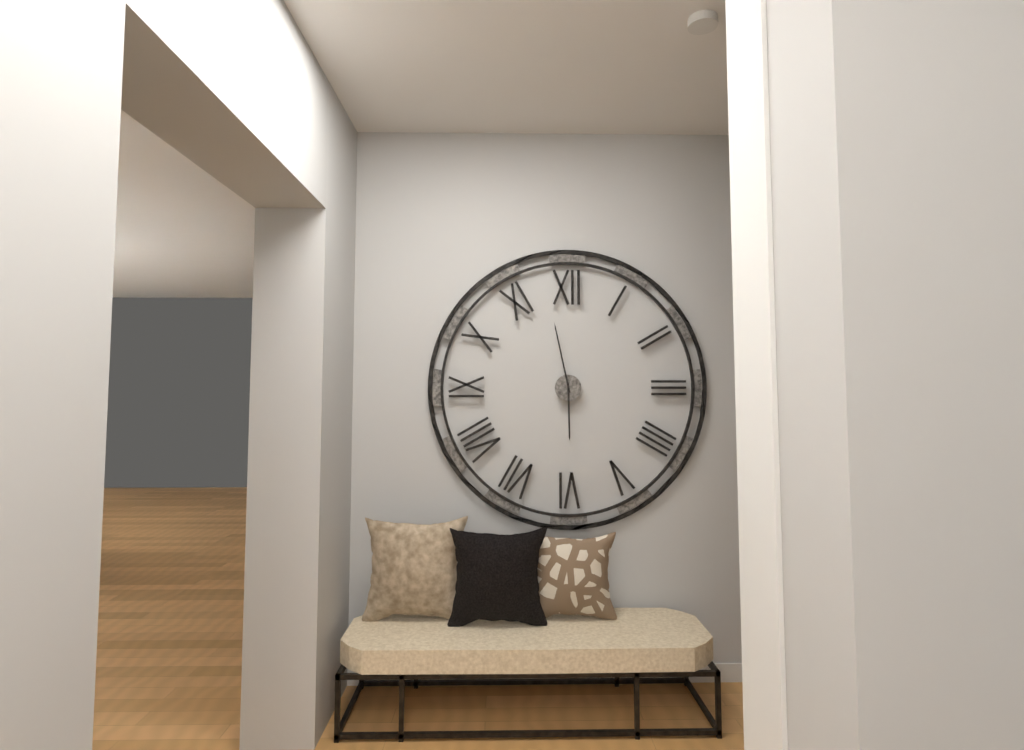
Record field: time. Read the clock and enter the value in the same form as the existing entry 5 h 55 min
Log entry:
5 h 58 min
